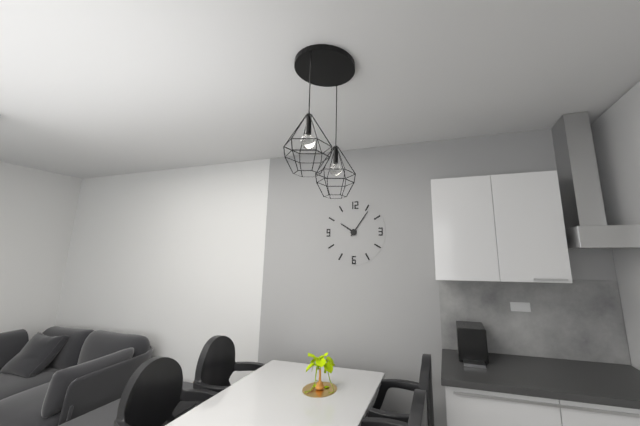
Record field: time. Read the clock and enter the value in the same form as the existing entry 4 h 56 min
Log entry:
10 h 06 min
